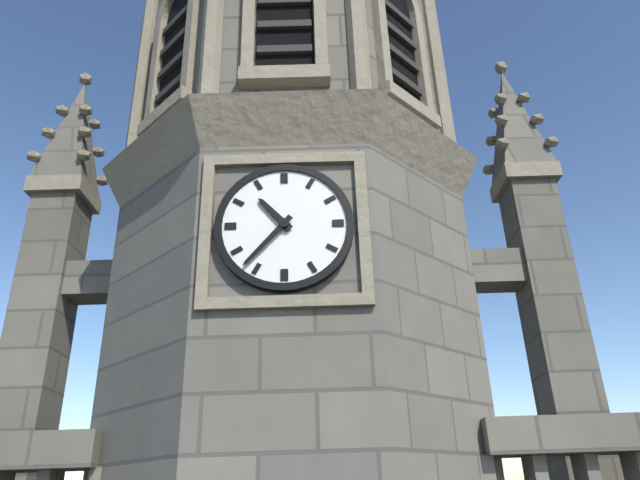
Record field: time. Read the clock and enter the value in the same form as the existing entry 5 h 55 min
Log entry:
10 h 37 min
